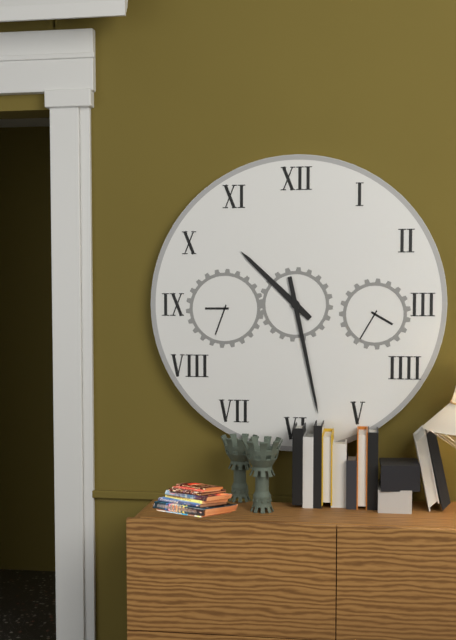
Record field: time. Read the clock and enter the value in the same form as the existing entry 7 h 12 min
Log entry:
10 h 28 min
